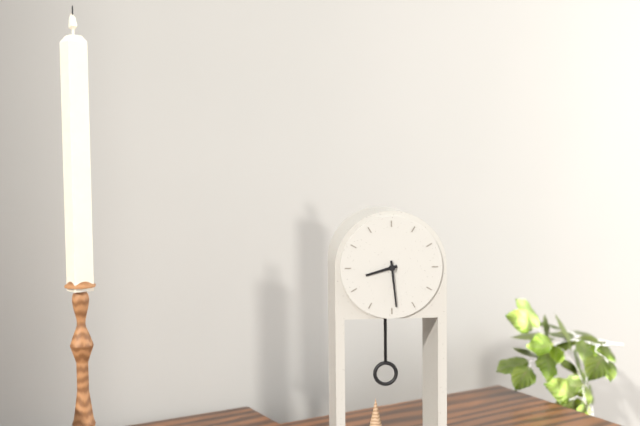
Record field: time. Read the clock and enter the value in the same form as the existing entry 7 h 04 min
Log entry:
8 h 29 min
